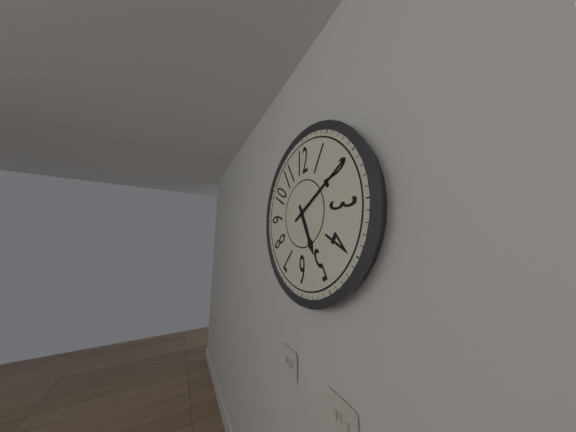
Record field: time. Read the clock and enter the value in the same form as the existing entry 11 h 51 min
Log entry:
5 h 10 min
